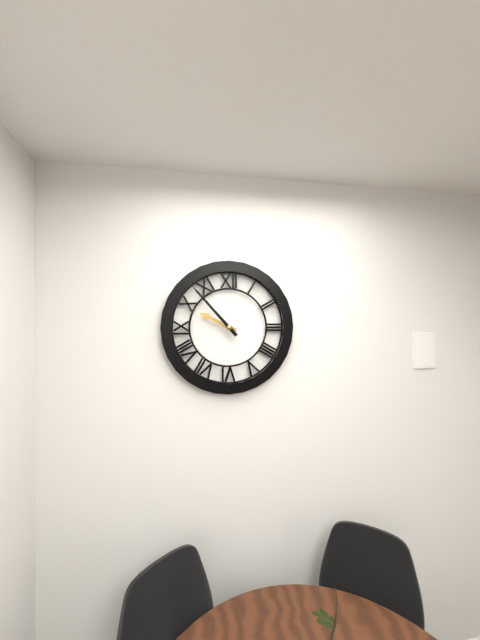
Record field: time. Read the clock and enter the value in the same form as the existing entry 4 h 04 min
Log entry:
9 h 53 min
